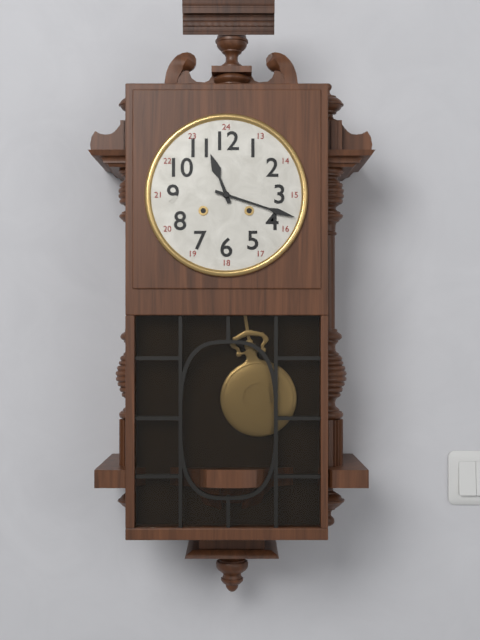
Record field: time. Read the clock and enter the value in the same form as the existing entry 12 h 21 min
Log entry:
11 h 18 min
